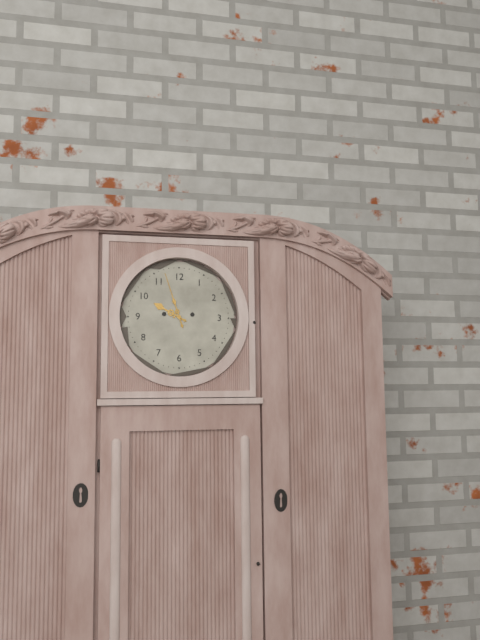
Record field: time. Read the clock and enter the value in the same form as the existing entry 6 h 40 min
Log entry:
9 h 57 min
